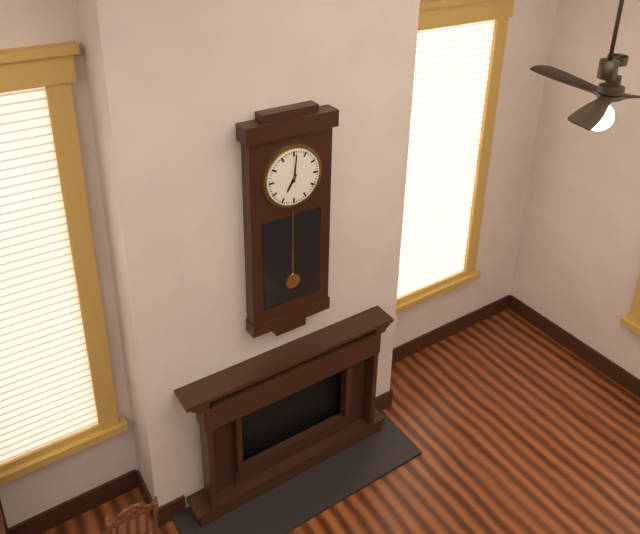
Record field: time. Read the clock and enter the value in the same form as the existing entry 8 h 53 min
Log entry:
7 h 01 min
